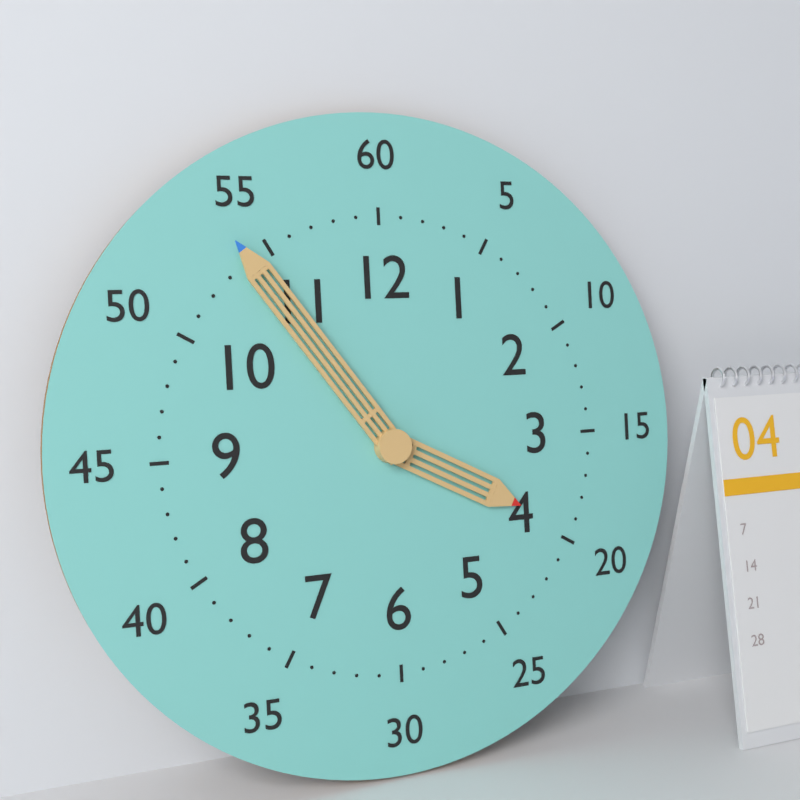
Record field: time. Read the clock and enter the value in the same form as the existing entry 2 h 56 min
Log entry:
3 h 54 min
